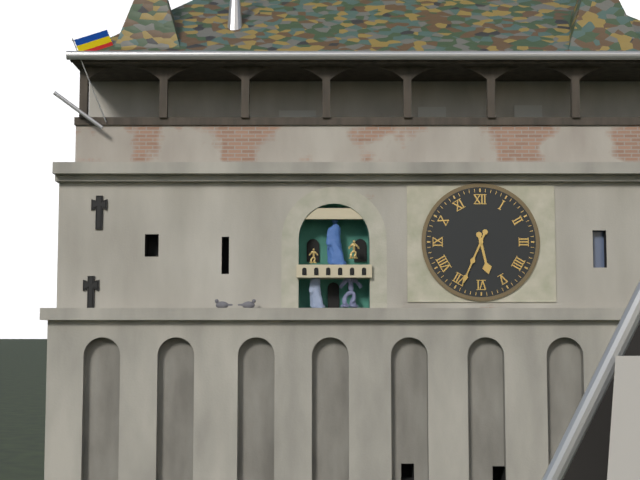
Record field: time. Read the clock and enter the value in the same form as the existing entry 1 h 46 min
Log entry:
5 h 34 min
